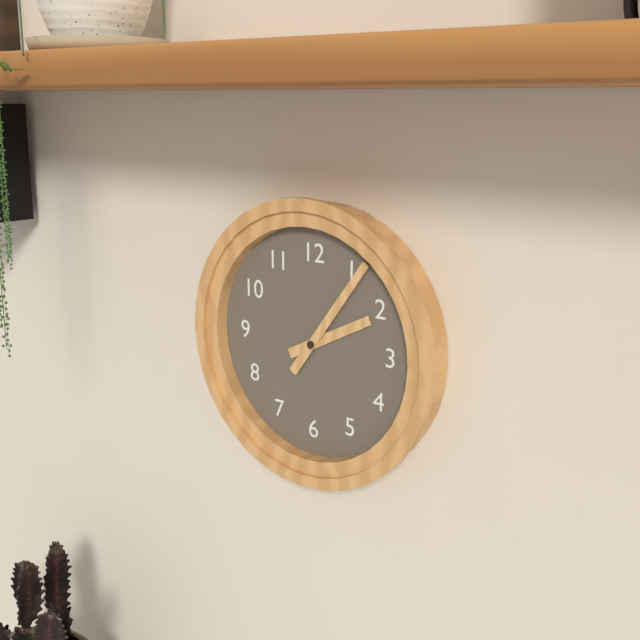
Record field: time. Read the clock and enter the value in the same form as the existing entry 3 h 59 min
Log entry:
2 h 06 min
